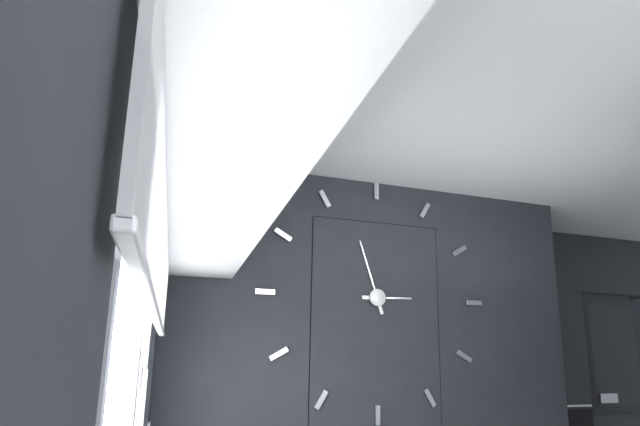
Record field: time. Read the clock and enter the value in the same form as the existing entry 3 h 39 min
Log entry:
2 h 57 min
